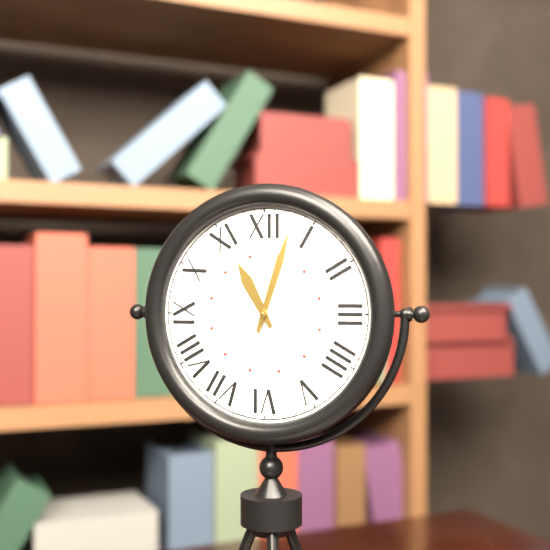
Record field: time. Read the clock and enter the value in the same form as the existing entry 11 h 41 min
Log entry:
11 h 03 min
